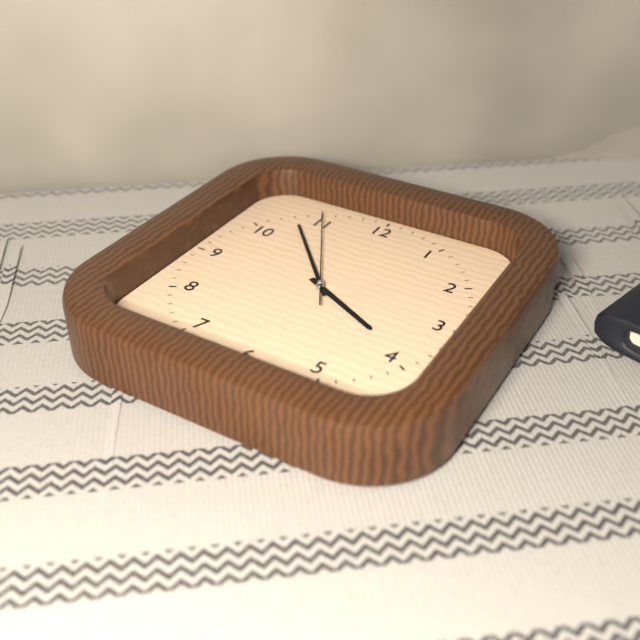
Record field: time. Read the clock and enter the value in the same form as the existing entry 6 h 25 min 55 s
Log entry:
3 h 53 min 55 s
